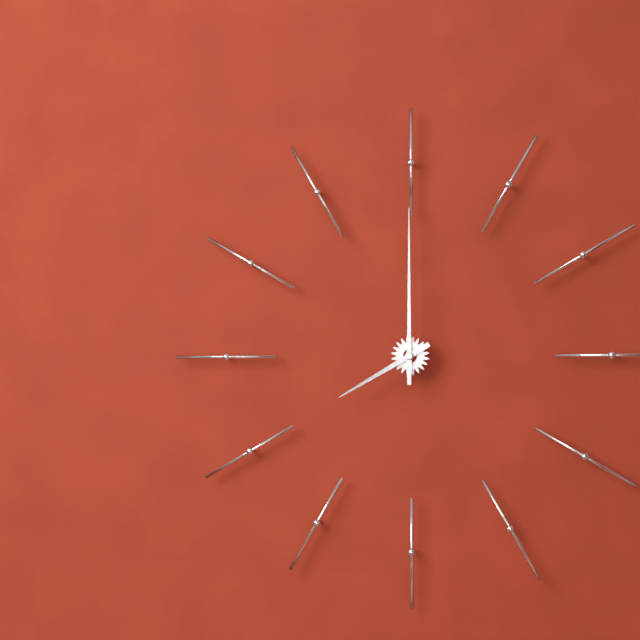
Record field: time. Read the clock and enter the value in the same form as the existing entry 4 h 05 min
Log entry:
8 h 00 min
